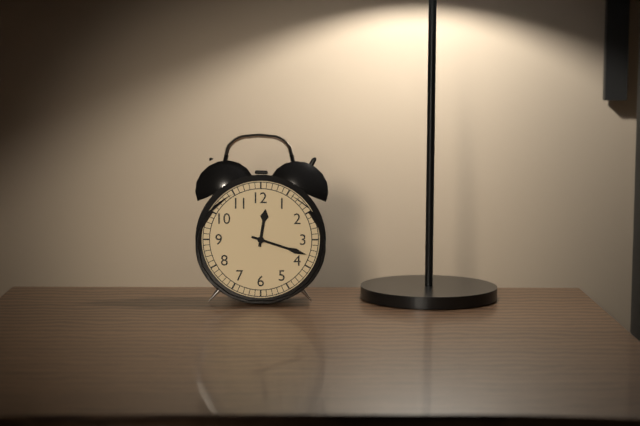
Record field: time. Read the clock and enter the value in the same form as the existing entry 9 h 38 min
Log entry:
12 h 18 min
